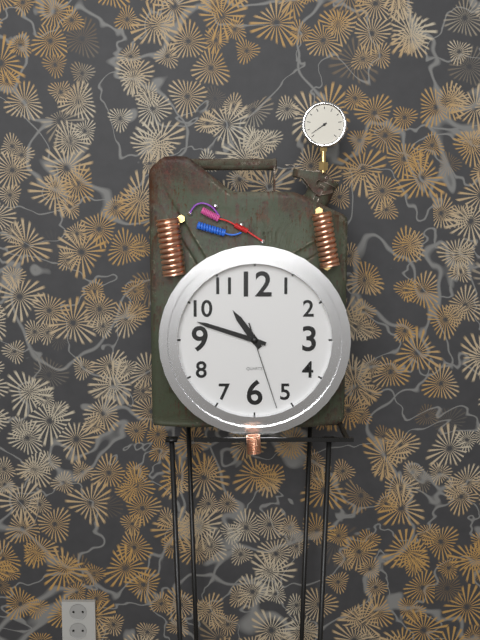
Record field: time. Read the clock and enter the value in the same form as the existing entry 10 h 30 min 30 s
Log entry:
10 h 48 min 27 s
